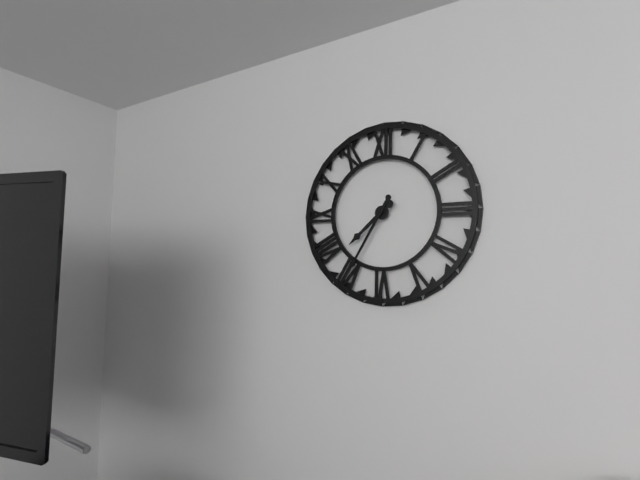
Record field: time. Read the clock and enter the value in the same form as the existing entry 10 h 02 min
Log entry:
7 h 35 min
